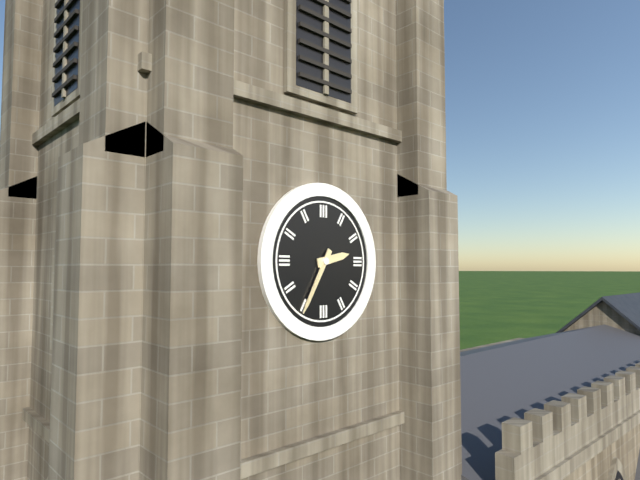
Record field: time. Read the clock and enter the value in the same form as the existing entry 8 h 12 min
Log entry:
2 h 35 min
